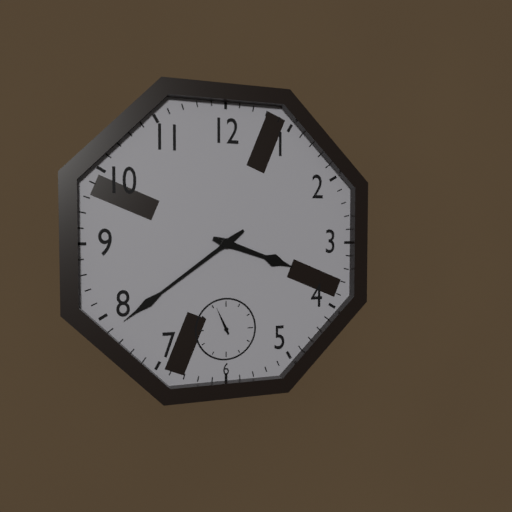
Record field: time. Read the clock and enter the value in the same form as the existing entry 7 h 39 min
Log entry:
3 h 39 min
